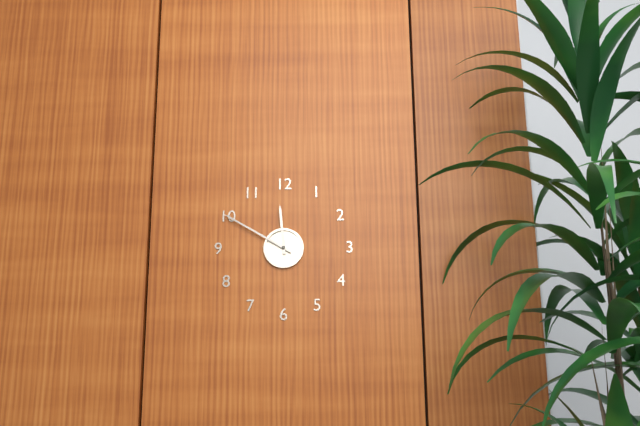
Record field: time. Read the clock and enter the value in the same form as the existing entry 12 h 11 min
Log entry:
11 h 50 min
